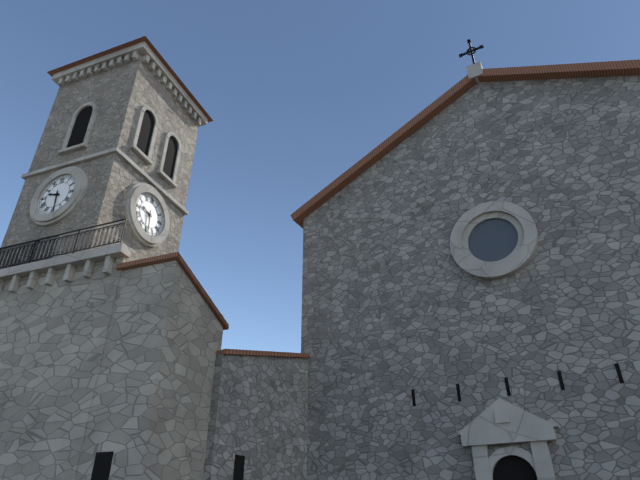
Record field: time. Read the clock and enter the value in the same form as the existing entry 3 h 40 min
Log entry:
9 h 29 min
